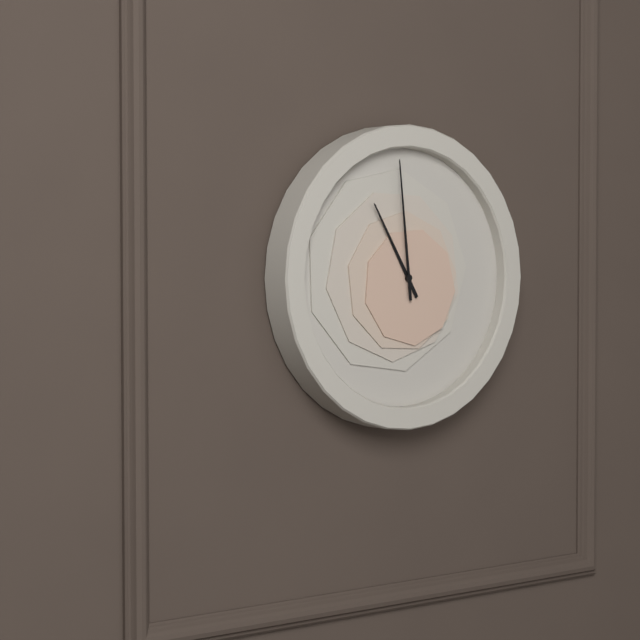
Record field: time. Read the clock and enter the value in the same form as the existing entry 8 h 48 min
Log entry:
10 h 59 min
